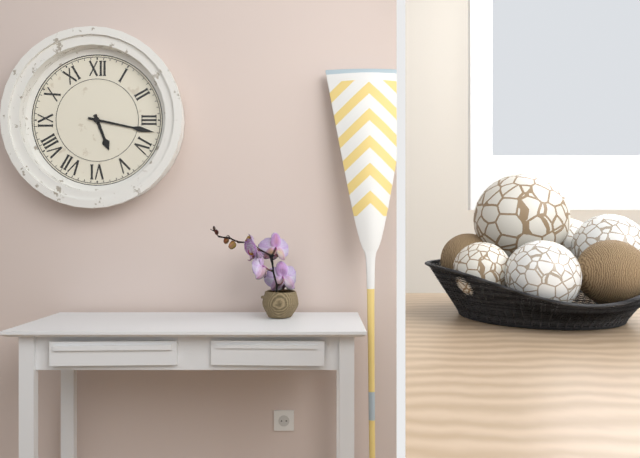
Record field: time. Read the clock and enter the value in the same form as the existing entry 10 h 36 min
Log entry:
5 h 17 min
